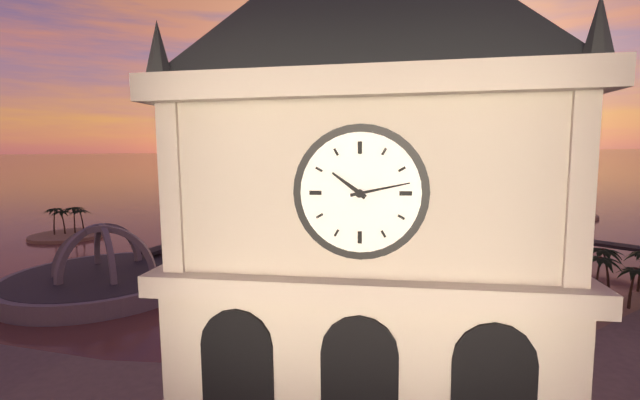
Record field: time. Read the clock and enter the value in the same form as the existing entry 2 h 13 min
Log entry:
10 h 13 min
